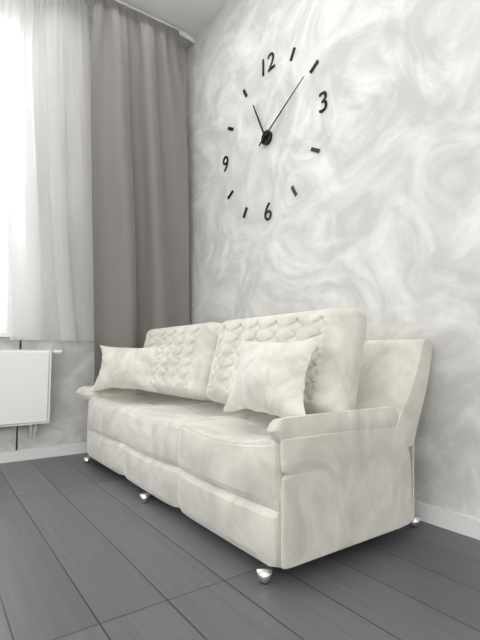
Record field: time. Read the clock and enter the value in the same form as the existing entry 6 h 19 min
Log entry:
11 h 10 min
